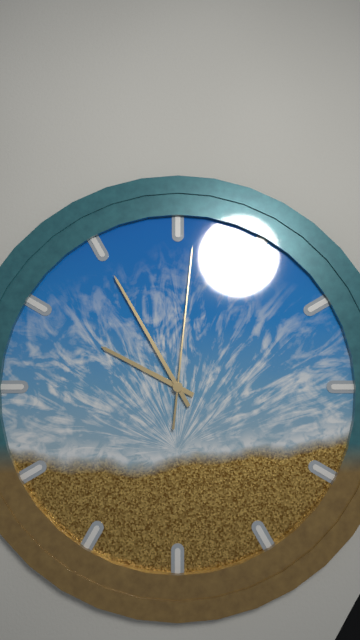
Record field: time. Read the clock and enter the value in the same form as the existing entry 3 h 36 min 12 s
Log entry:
9 h 55 min 01 s
